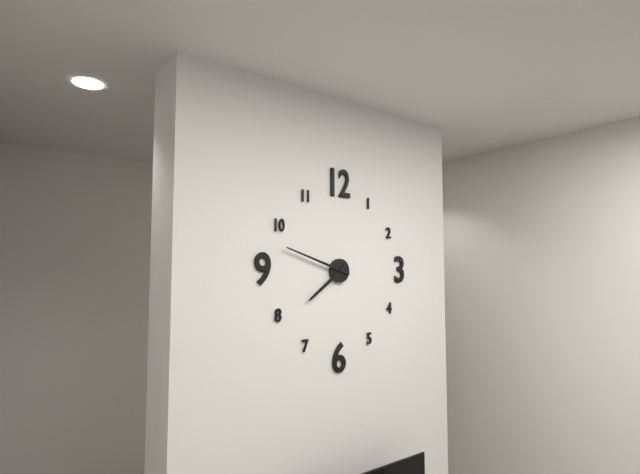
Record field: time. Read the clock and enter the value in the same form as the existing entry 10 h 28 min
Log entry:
7 h 48 min
